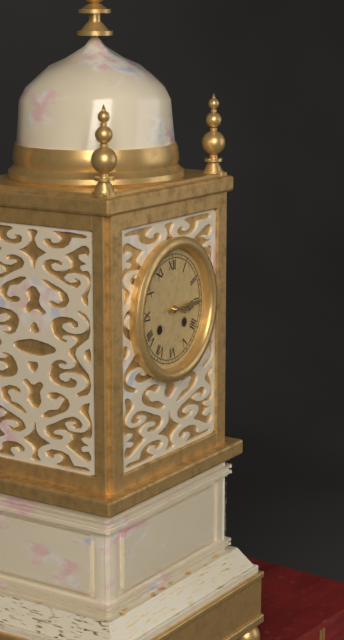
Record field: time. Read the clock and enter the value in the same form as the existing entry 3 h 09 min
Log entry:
3 h 15 min
